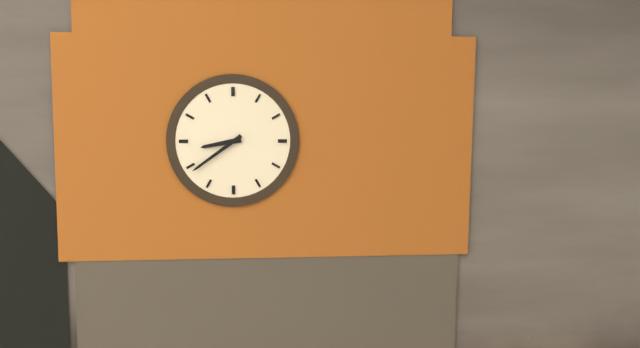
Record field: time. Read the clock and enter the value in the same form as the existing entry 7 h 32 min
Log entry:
8 h 39 min
